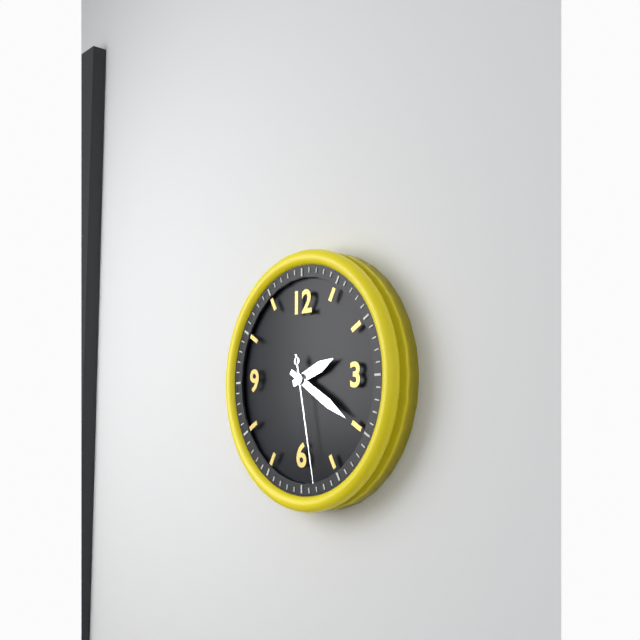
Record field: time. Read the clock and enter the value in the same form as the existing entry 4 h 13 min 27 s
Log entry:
2 h 20 min 28 s
